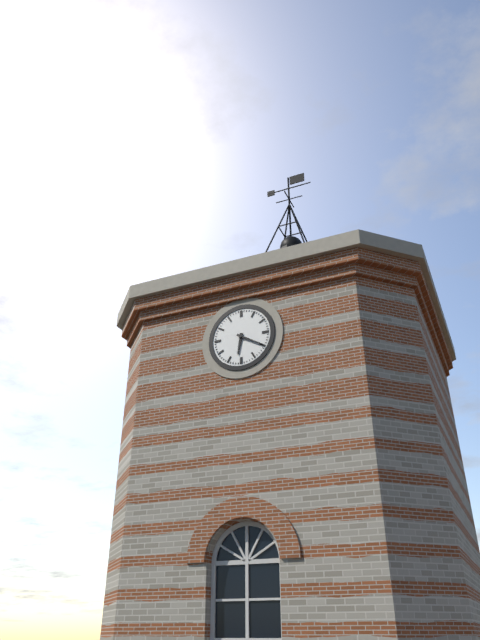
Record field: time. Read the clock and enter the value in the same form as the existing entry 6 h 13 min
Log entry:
6 h 20 min
